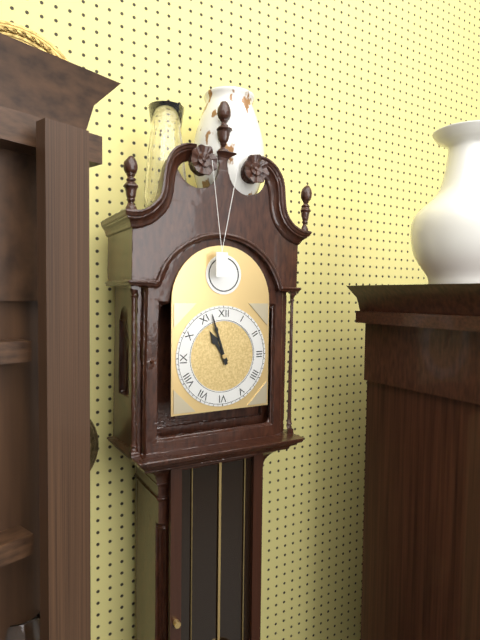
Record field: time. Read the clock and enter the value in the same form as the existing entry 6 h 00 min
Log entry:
10 h 57 min
